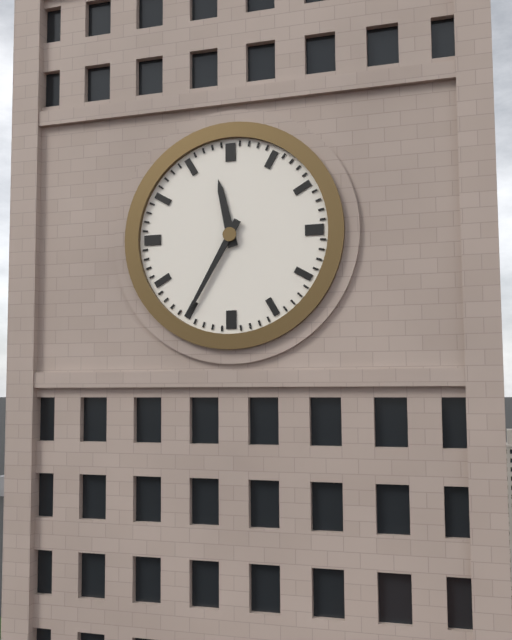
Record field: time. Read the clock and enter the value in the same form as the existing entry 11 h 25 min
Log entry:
11 h 35 min
